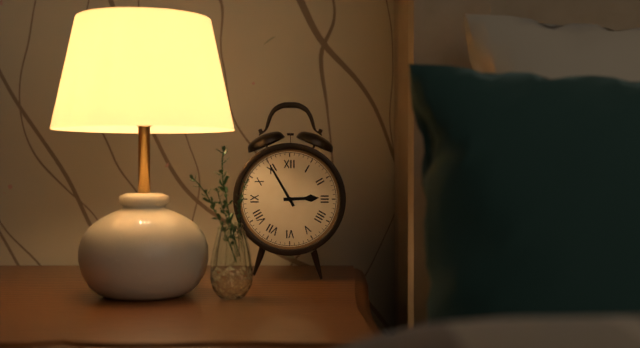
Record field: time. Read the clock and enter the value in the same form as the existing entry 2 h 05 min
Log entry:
2 h 55 min
